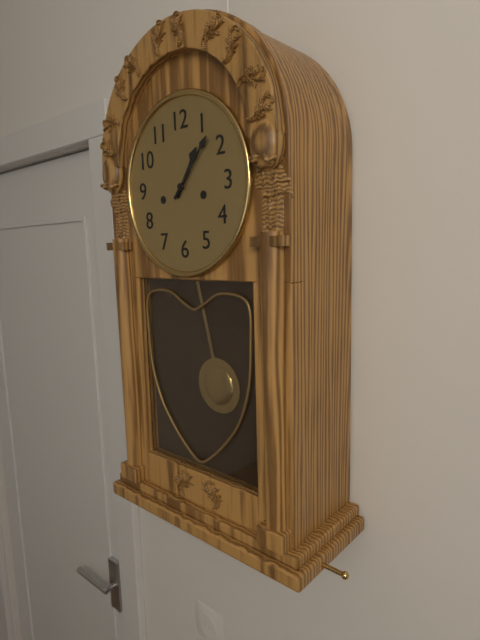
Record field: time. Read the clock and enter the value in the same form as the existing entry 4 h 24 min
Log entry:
1 h 07 min
